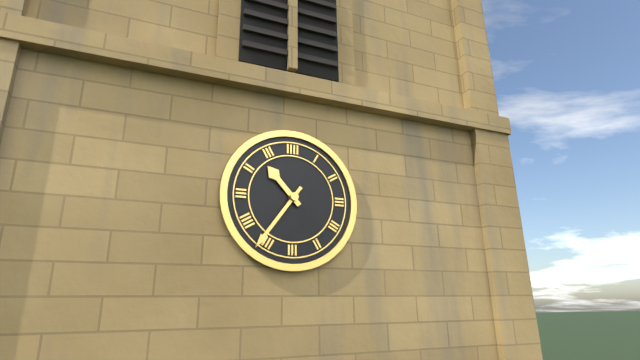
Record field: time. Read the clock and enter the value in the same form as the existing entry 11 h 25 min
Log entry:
10 h 36 min
